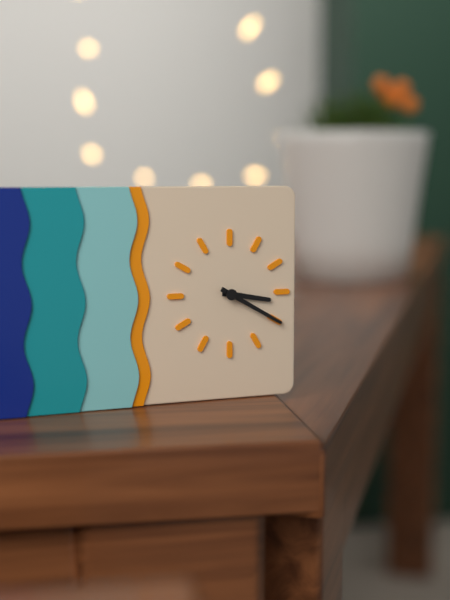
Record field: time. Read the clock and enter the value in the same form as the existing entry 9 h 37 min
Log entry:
3 h 20 min
